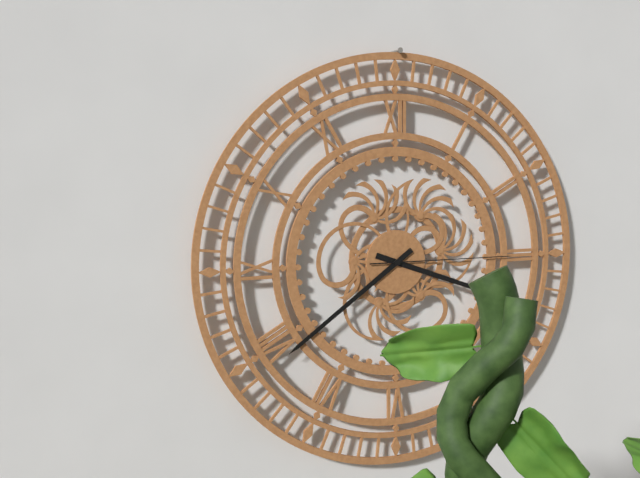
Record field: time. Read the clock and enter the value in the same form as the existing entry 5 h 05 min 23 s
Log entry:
3 h 39 min 15 s
